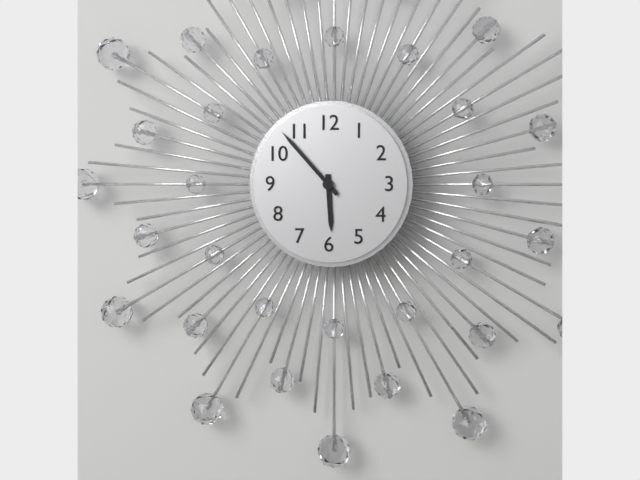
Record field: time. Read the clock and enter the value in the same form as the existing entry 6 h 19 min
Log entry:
5 h 53 min
